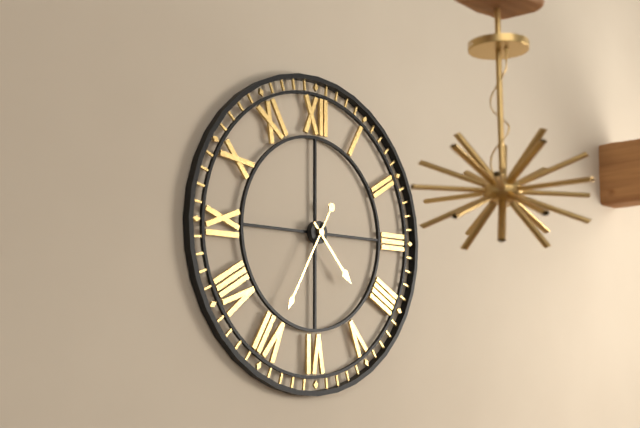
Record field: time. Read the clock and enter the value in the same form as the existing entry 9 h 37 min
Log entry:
4 h 35 min
